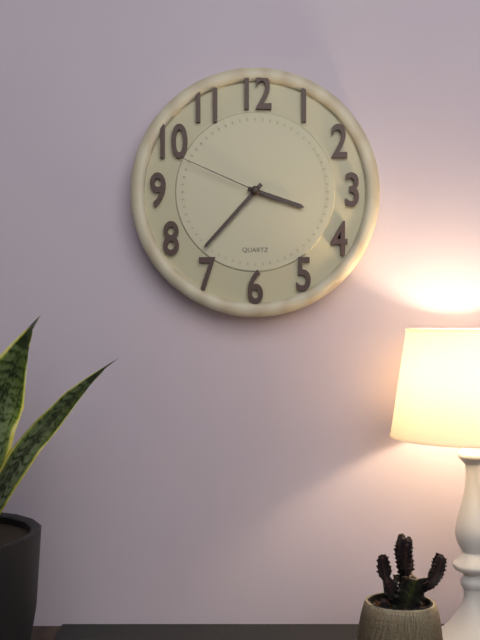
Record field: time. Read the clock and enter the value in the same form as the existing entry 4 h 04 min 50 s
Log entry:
3 h 37 min 49 s
